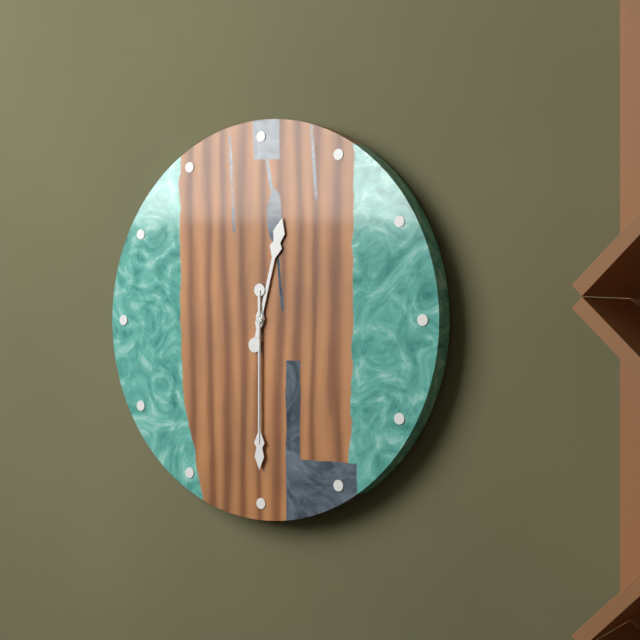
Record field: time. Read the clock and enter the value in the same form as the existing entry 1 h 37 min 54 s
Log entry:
12 h 30 min 30 s
